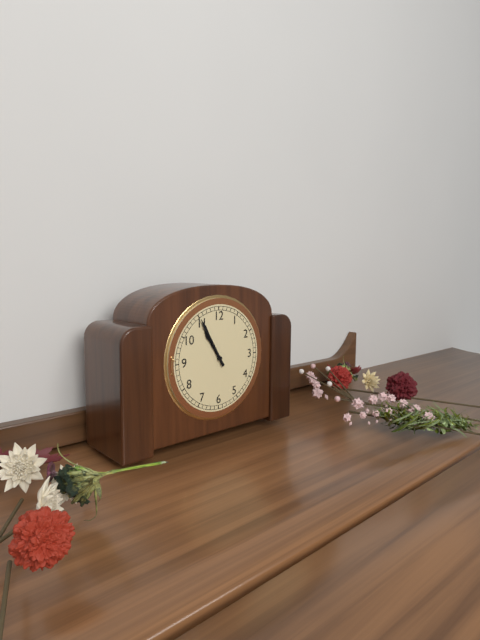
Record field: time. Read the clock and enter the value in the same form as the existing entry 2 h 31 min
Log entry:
10 h 55 min
